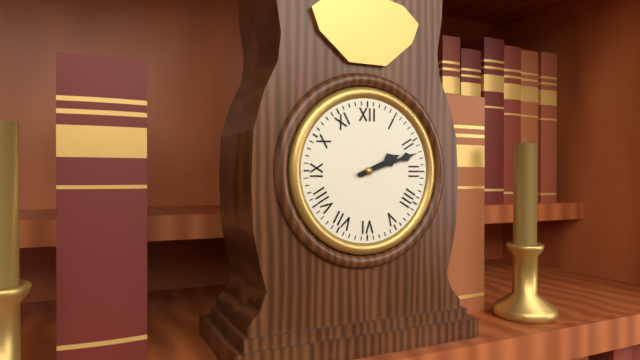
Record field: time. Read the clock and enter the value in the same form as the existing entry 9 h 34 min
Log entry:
2 h 12 min
